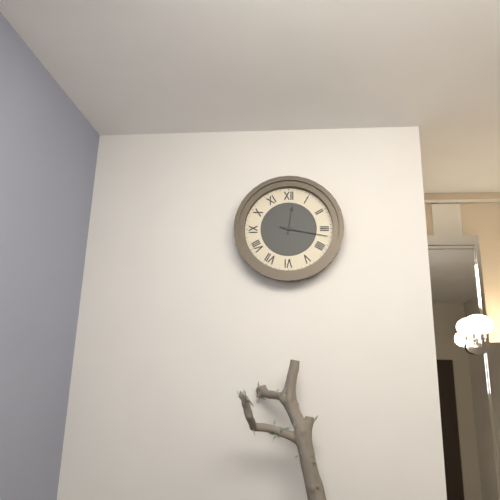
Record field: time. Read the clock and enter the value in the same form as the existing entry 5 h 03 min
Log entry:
12 h 17 min
